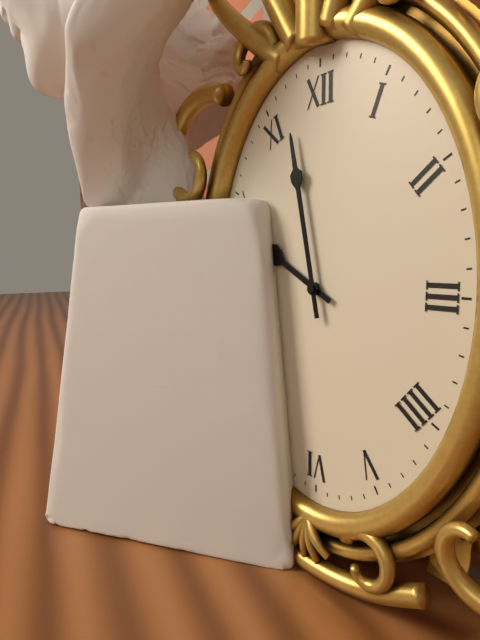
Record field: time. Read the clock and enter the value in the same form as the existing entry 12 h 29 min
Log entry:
9 h 58 min
